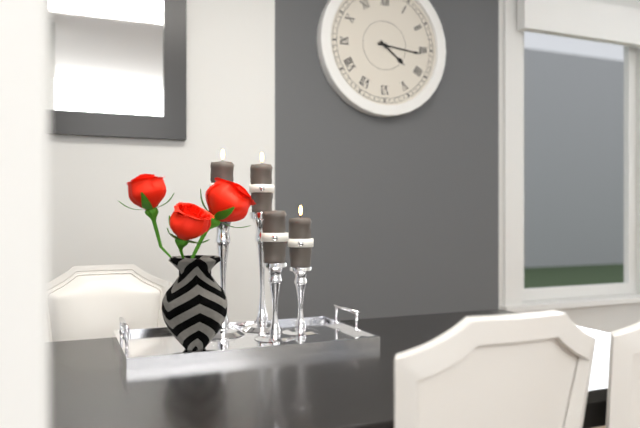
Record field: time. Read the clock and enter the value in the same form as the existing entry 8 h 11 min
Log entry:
4 h 16 min
